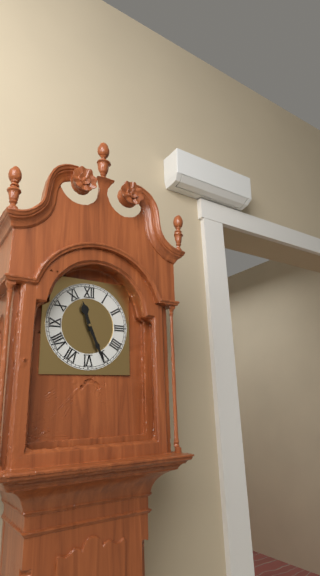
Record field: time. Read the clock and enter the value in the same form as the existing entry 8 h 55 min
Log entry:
11 h 26 min
